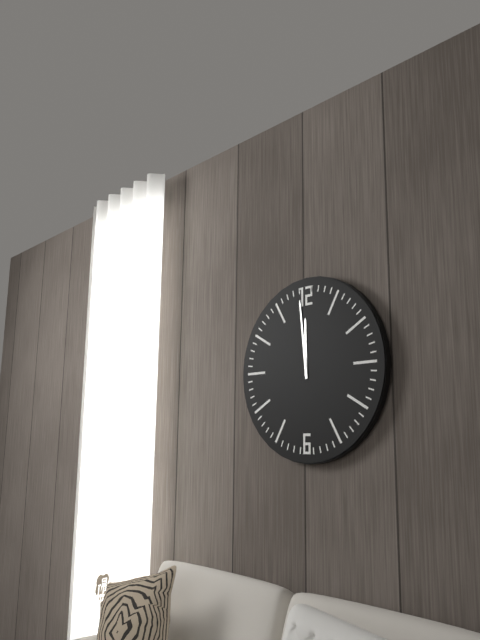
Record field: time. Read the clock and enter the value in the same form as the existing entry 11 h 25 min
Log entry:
11 h 59 min
